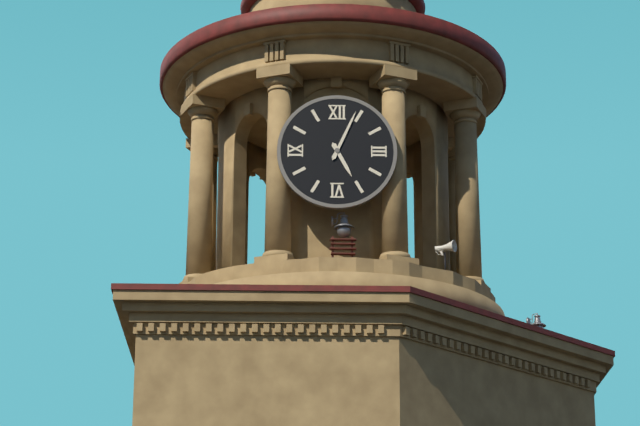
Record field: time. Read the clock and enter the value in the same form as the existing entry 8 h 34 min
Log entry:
5 h 04 min
